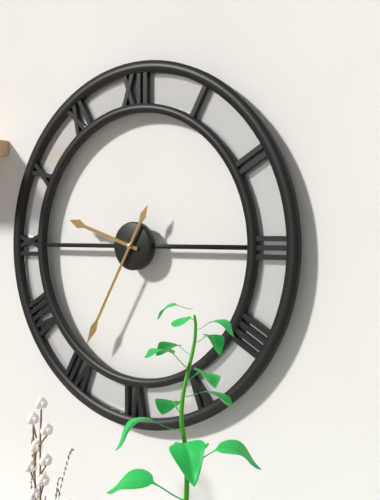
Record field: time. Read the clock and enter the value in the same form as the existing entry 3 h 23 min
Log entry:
9 h 35 min
